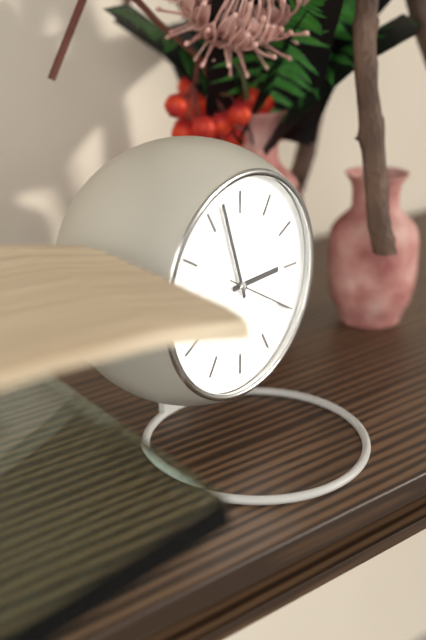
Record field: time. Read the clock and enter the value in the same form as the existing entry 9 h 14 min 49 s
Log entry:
2 h 57 min 20 s
